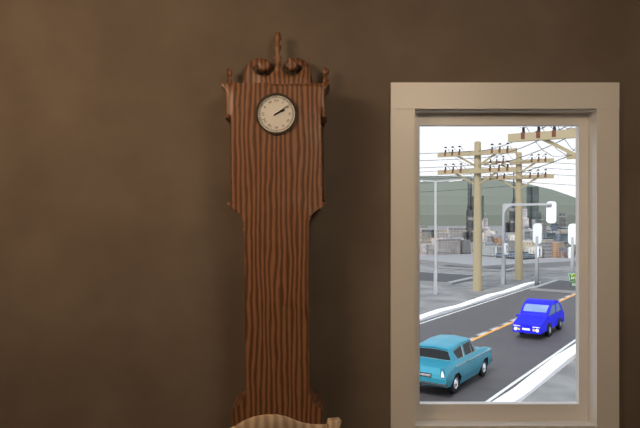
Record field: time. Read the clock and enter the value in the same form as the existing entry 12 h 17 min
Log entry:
2 h 09 min
